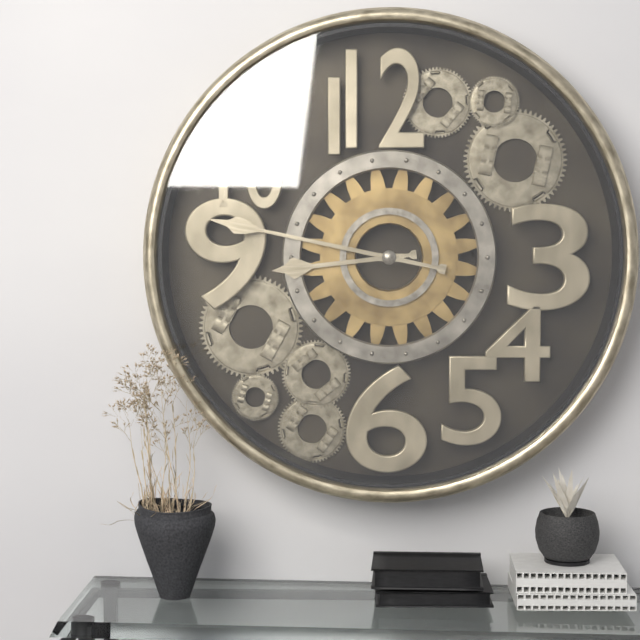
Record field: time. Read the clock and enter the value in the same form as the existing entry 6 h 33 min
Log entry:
8 h 47 min
